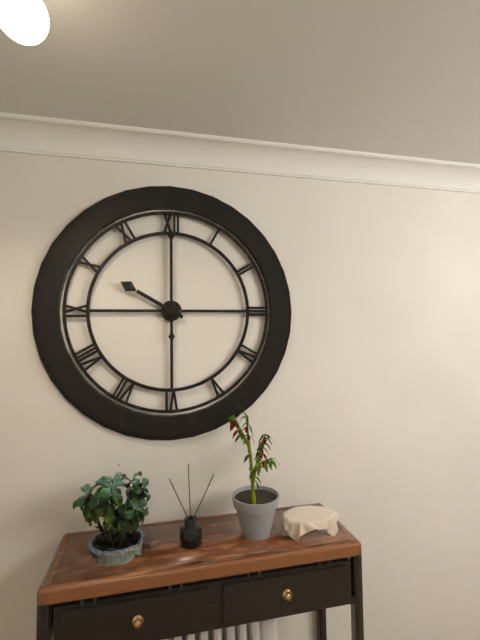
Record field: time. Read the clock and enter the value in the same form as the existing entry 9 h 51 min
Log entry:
10 h 00 min
